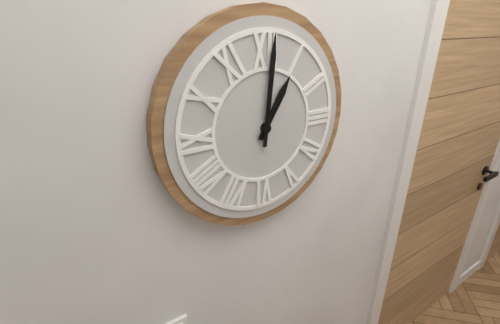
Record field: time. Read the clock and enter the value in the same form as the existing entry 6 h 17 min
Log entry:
1 h 01 min
